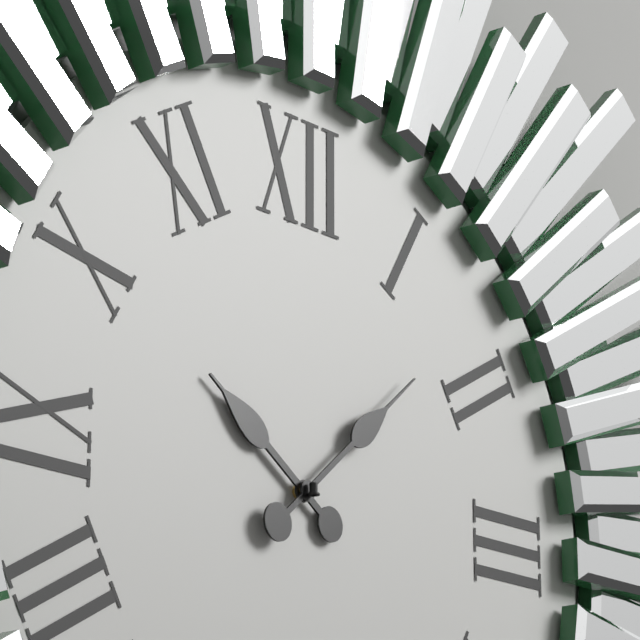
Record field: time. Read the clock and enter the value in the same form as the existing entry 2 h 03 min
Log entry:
10 h 08 min
